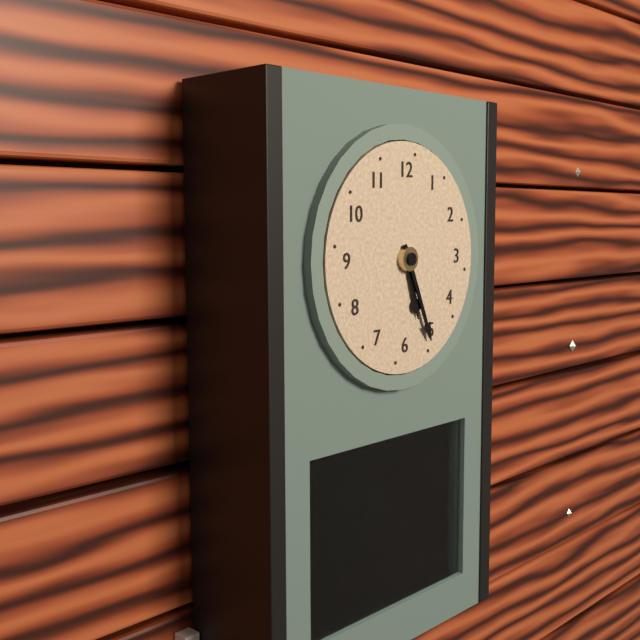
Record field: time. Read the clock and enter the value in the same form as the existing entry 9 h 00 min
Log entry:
5 h 26 min
